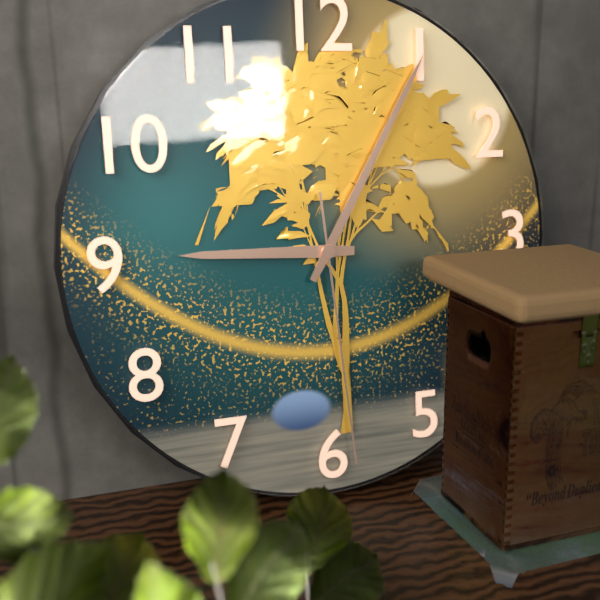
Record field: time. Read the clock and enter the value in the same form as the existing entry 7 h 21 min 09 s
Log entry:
9 h 05 min 29 s
